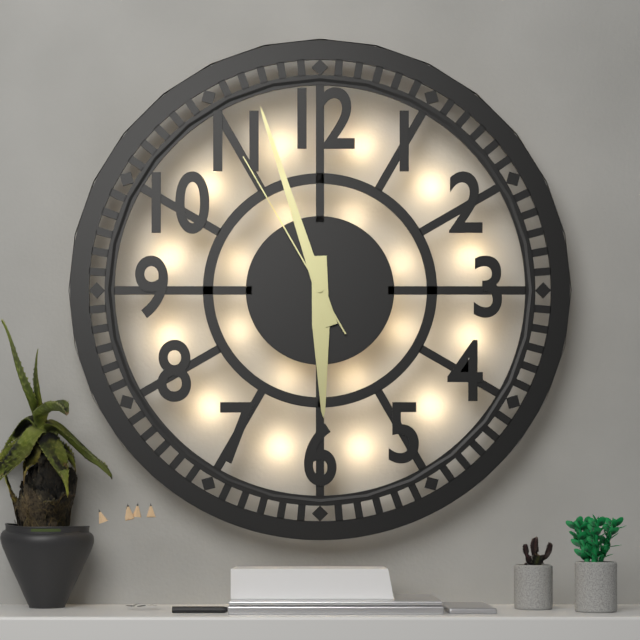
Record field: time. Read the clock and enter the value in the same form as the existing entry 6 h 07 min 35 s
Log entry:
5 h 57 min 55 s
